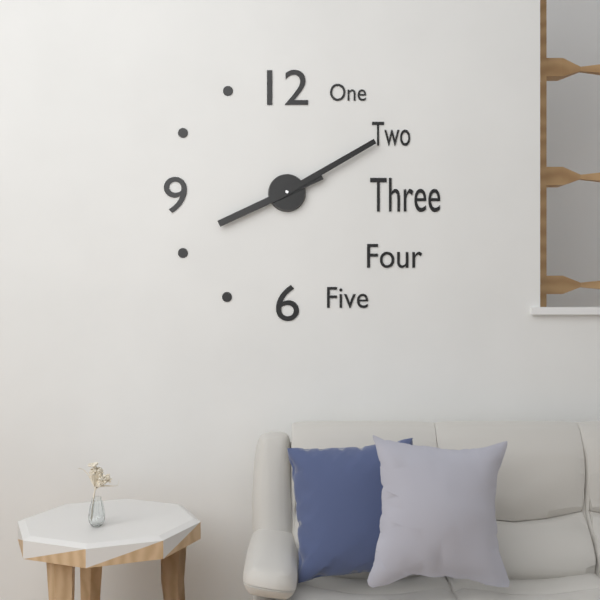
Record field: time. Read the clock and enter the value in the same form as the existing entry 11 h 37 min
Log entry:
8 h 10 min
